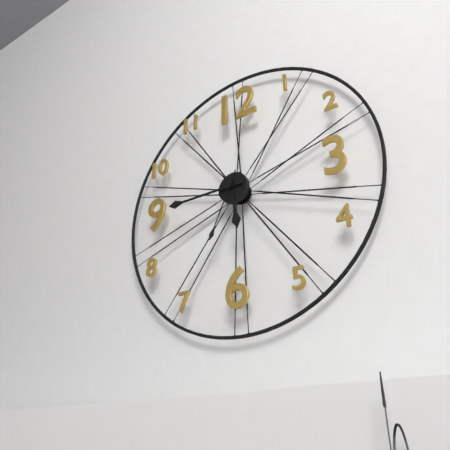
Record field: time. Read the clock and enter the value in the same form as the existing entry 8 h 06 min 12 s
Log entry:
5 h 45 min 34 s
